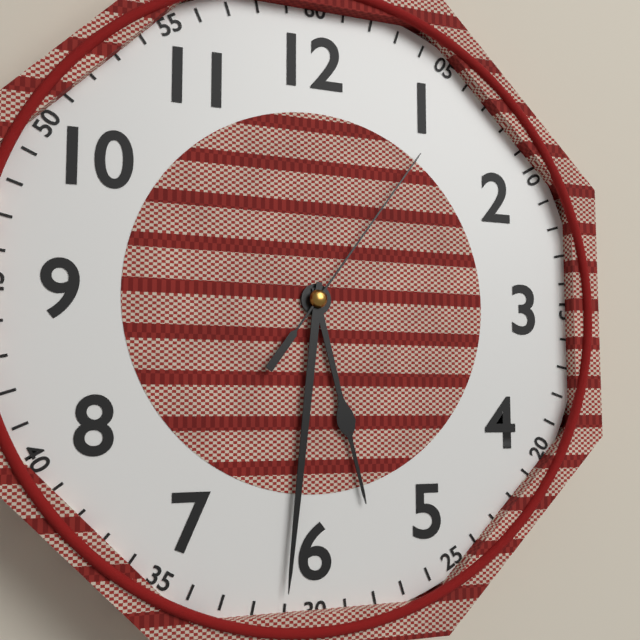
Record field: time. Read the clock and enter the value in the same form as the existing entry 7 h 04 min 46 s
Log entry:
5 h 31 min 06 s
